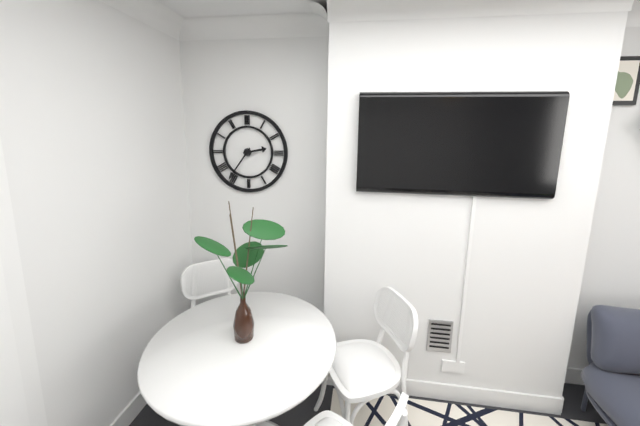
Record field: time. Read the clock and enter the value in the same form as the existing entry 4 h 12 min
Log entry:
2 h 36 min
